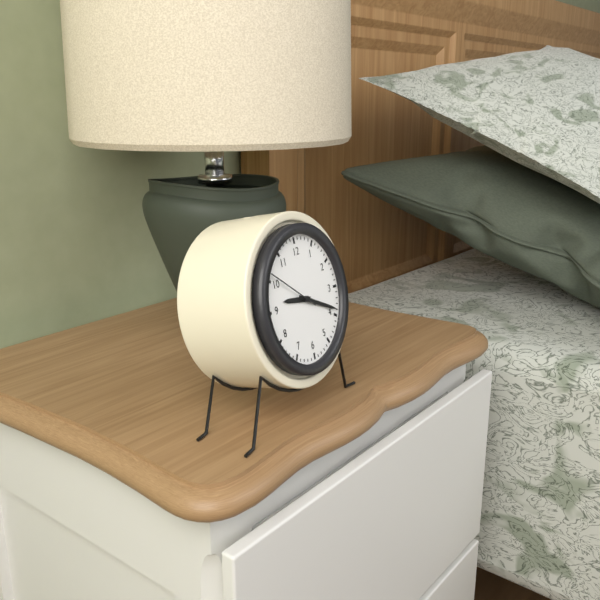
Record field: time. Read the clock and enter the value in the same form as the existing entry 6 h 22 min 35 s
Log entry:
9 h 19 min 51 s
